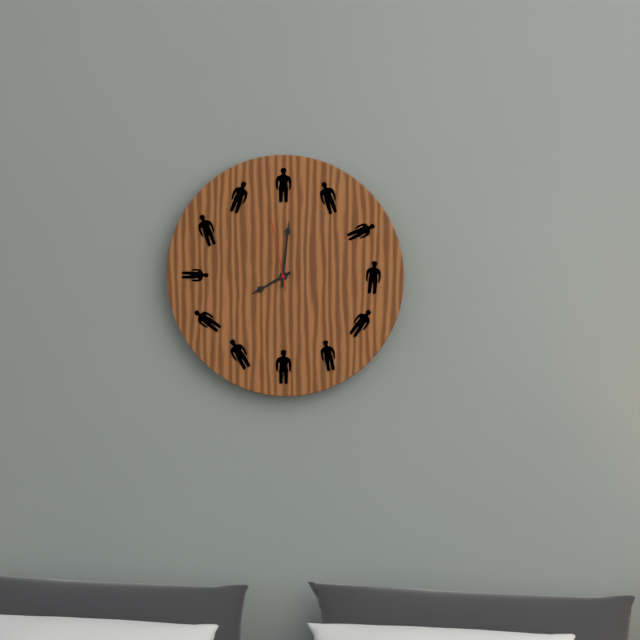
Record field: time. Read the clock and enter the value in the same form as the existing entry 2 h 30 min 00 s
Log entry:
8 h 01 min 58 s
